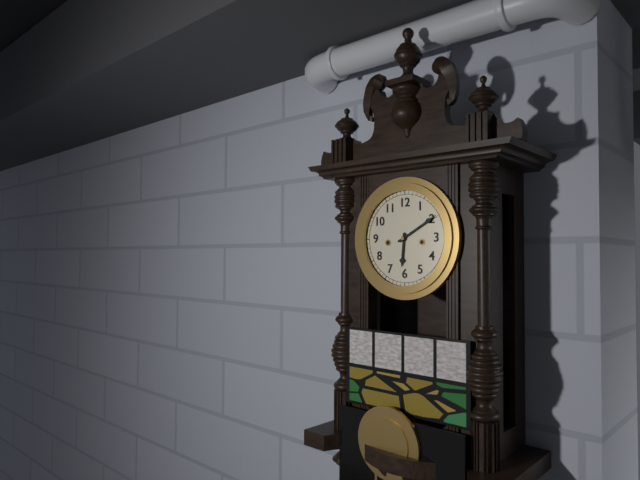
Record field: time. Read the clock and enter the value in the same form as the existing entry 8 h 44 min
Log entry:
6 h 10 min
